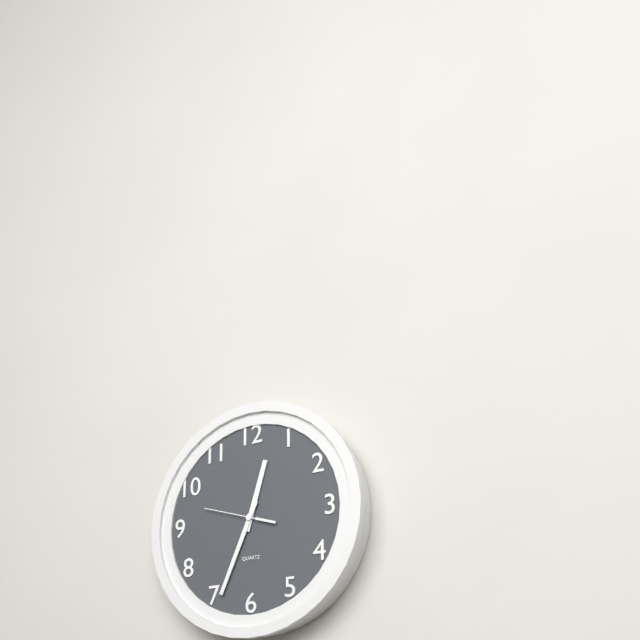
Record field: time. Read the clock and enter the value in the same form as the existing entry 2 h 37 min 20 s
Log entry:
12 h 34 min 48 s
